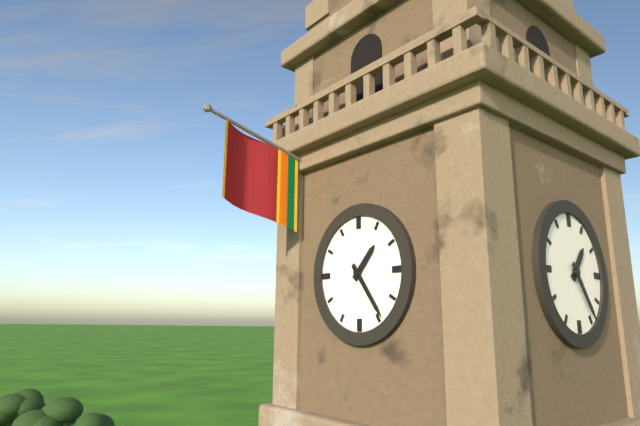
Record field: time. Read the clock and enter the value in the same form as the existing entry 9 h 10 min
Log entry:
1 h 24 min
